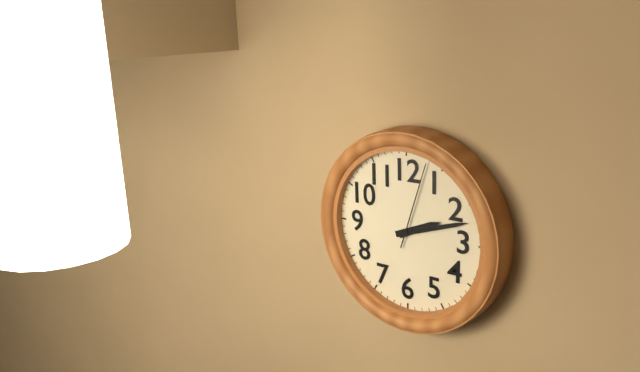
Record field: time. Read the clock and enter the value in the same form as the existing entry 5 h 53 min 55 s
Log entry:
2 h 12 min 03 s
